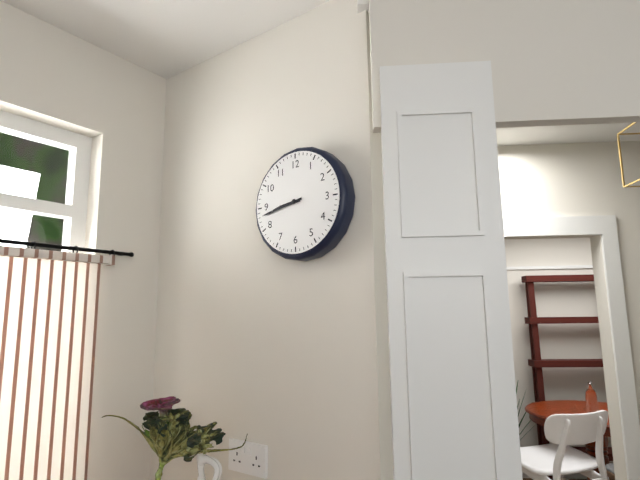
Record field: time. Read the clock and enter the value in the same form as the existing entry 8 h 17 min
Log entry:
8 h 43 min
